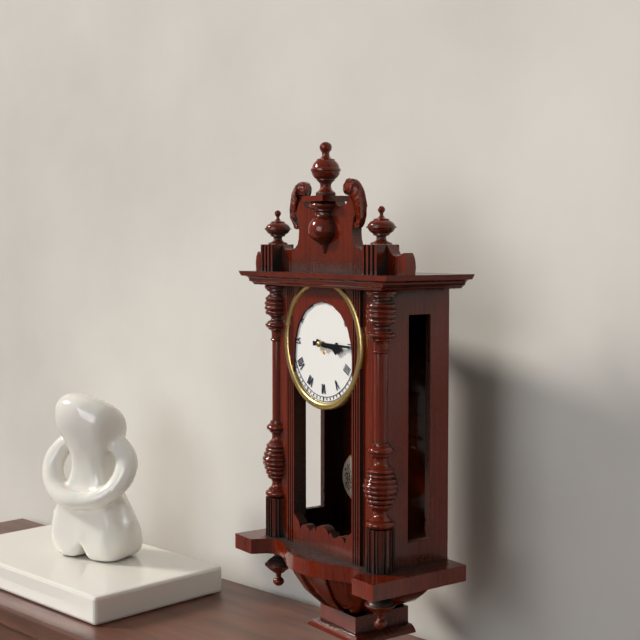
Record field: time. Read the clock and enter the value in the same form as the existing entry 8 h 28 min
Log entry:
3 h 15 min
